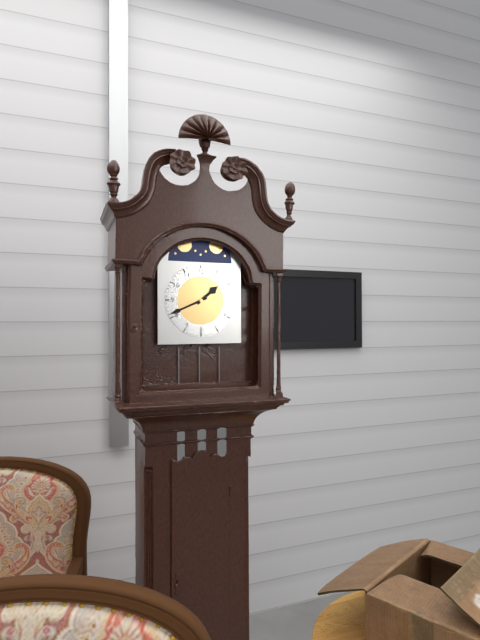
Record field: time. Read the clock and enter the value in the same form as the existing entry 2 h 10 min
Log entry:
1 h 41 min
